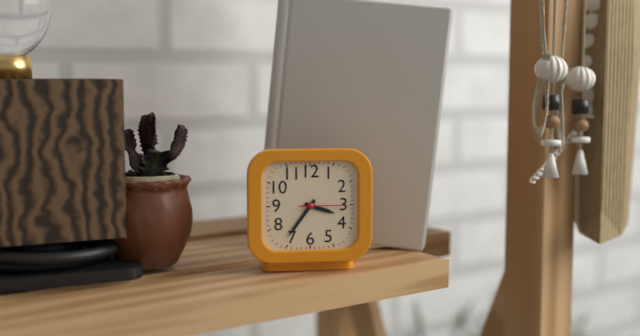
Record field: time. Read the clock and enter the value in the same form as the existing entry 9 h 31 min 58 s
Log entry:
3 h 36 min 15 s
